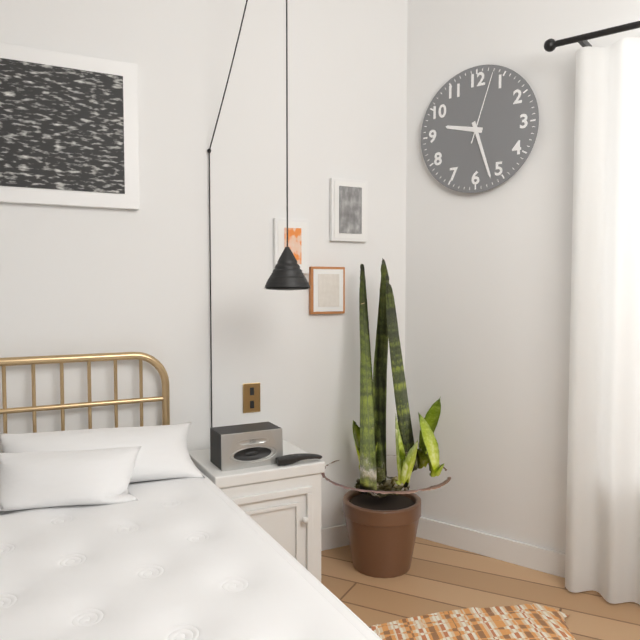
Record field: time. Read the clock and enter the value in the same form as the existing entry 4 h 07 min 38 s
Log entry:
9 h 27 min 03 s
